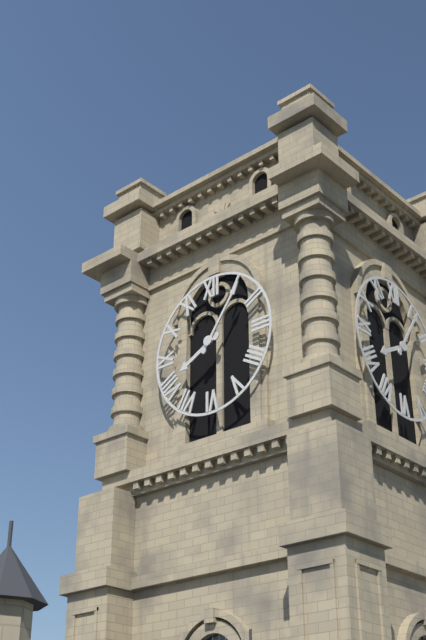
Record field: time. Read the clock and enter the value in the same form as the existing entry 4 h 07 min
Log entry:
8 h 06 min
